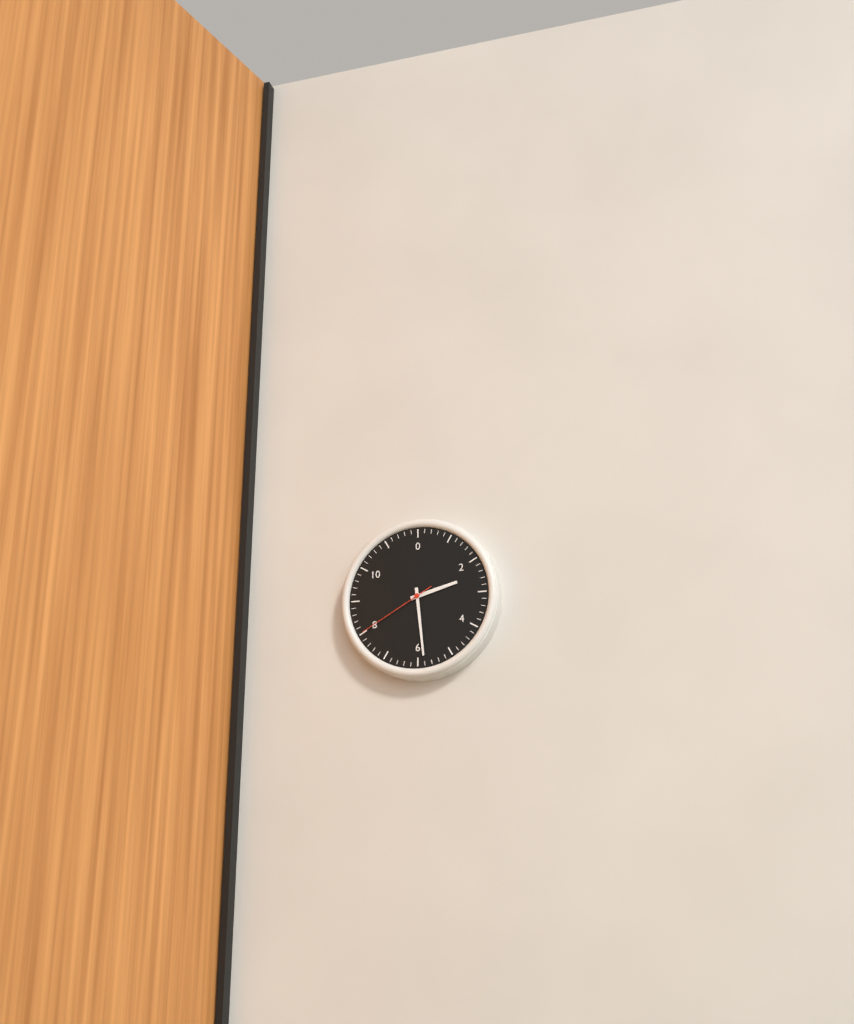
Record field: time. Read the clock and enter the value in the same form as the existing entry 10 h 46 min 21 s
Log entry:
2 h 29 min 40 s
